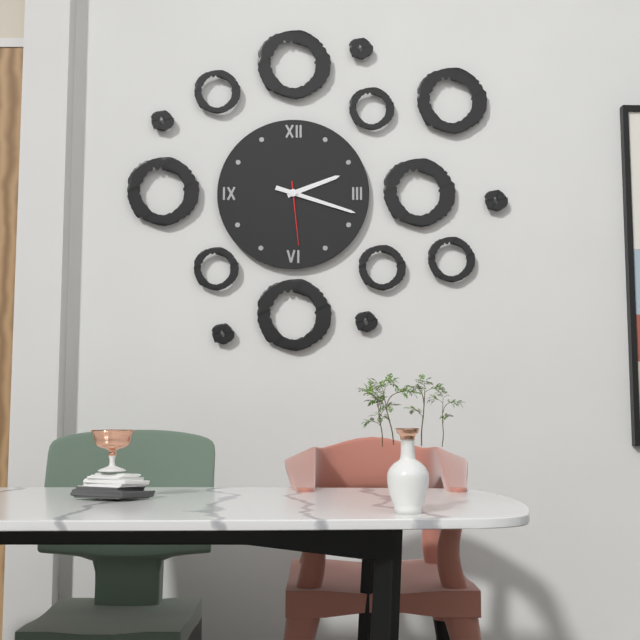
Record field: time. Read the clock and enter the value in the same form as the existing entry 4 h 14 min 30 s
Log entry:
2 h 18 min 29 s
